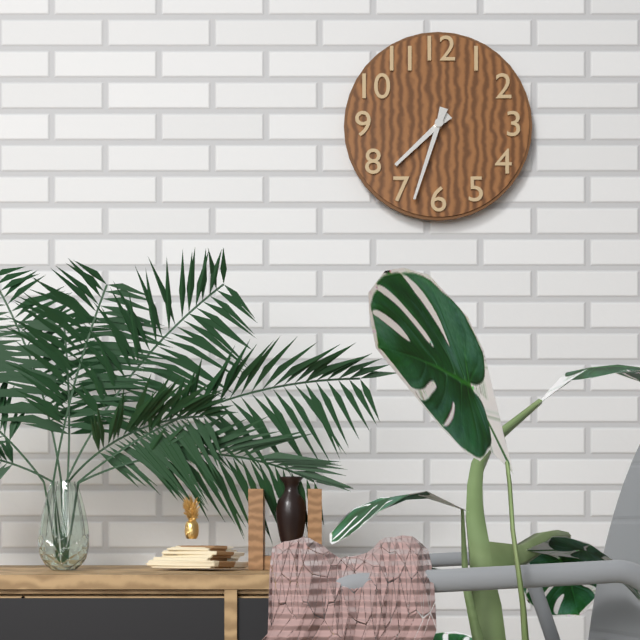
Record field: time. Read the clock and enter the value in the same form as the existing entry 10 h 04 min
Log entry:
7 h 33 min
